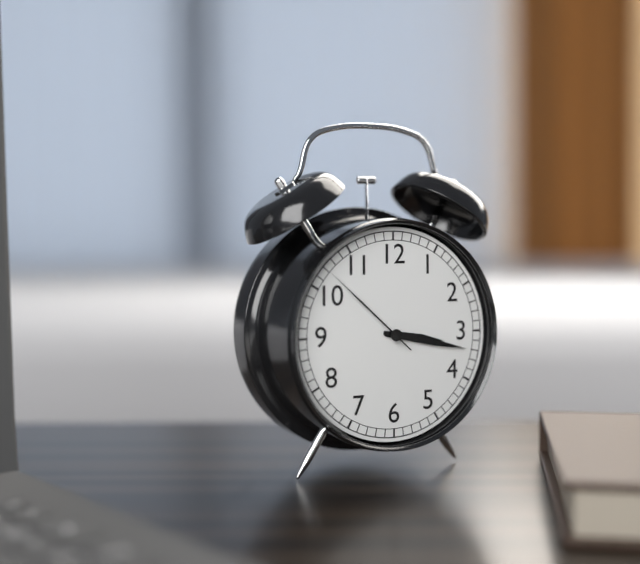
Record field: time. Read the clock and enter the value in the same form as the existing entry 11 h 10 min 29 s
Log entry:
3 h 17 min 52 s
